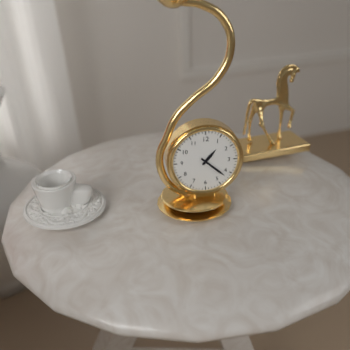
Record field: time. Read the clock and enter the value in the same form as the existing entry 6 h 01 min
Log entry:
1 h 22 min
